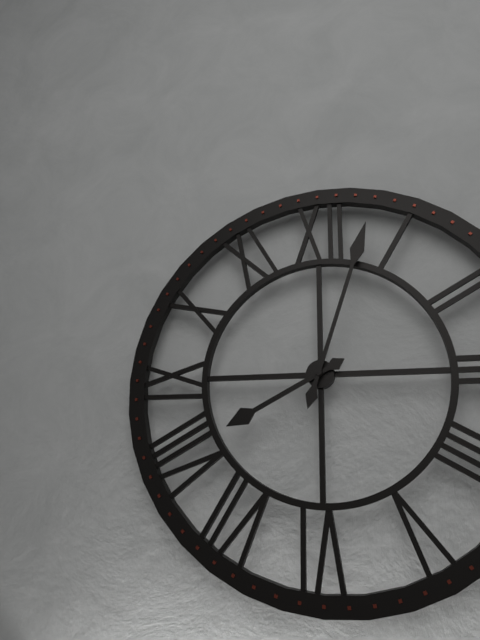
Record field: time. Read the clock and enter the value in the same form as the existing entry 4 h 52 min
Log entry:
8 h 03 min
